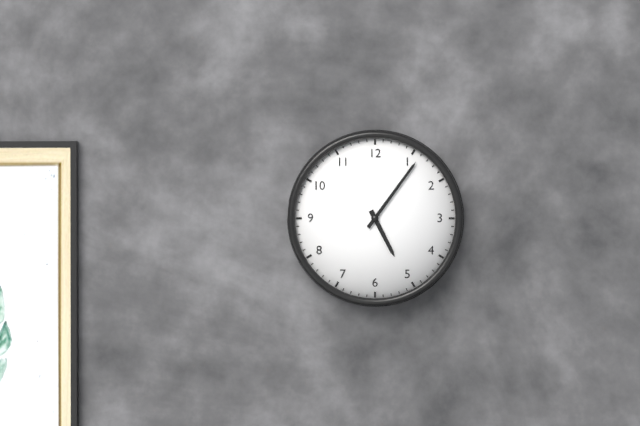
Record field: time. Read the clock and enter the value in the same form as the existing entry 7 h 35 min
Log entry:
5 h 06 min
